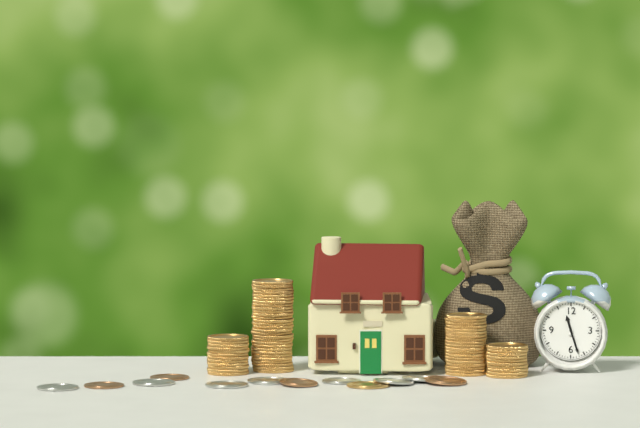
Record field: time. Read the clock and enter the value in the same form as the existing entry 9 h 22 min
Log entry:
11 h 27 min
